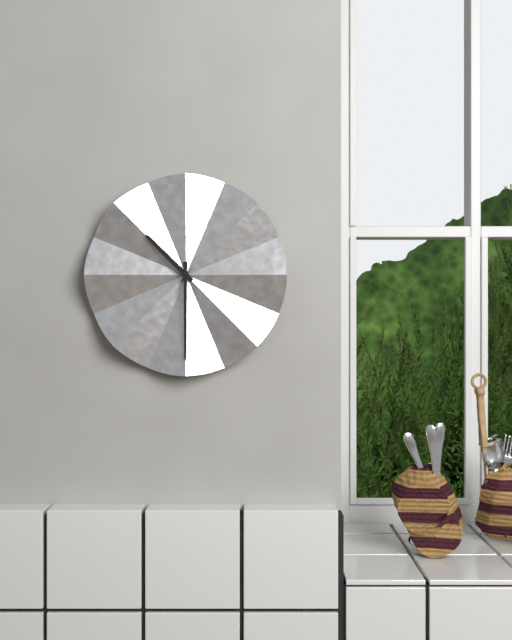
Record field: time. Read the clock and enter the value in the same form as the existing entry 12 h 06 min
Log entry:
10 h 30 min
